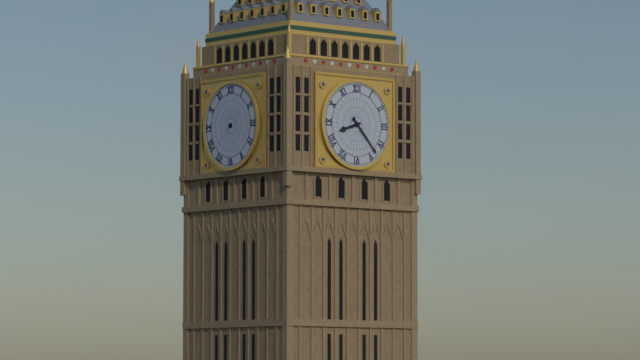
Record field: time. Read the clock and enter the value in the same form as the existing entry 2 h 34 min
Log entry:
8 h 23 min
